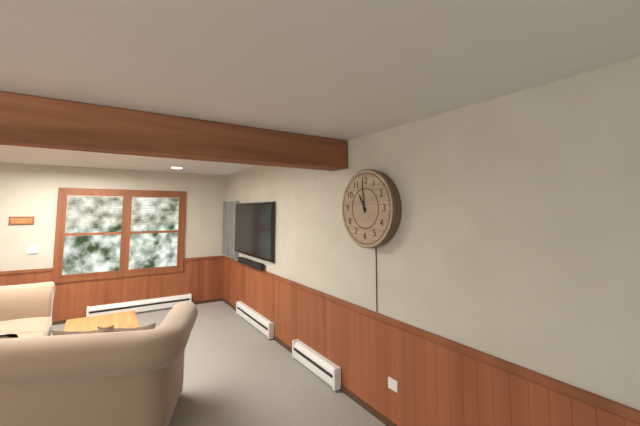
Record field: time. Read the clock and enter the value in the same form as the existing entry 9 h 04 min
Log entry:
10 h 59 min
